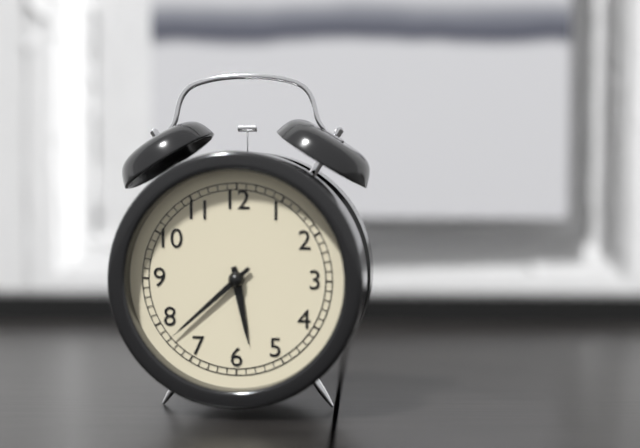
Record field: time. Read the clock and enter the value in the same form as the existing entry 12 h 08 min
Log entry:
5 h 38 min
